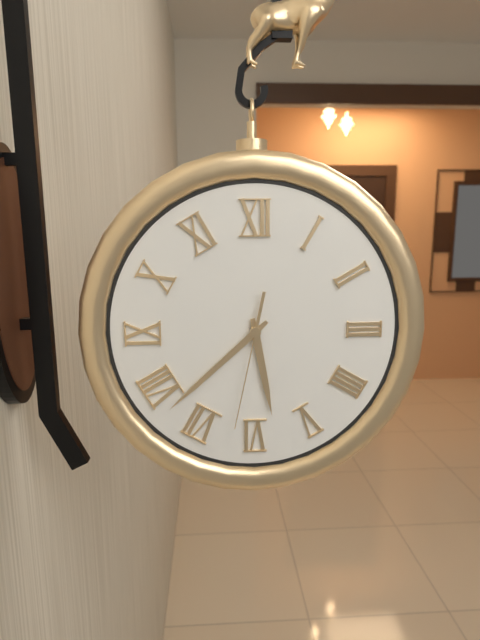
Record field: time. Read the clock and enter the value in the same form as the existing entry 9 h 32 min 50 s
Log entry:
5 h 38 min 32 s
